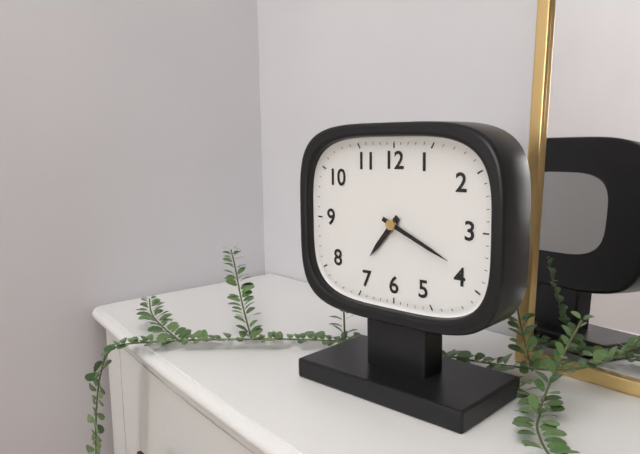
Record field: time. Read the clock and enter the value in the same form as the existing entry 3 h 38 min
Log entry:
7 h 19 min
